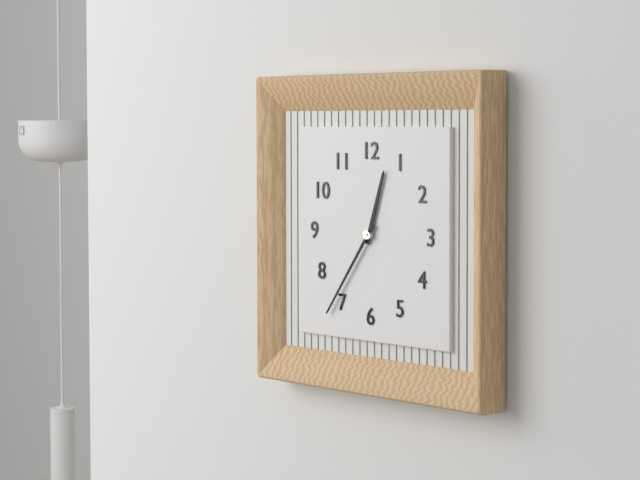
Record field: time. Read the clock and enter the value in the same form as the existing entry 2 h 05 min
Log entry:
12 h 36 min
